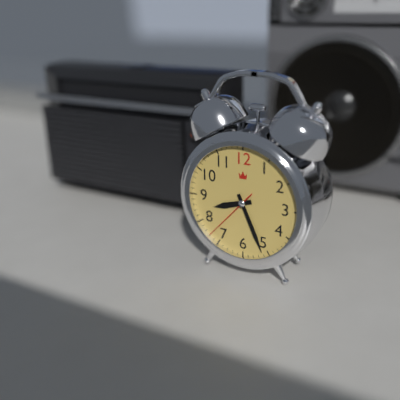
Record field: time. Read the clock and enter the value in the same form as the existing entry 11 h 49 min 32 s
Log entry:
8 h 26 min 37 s
